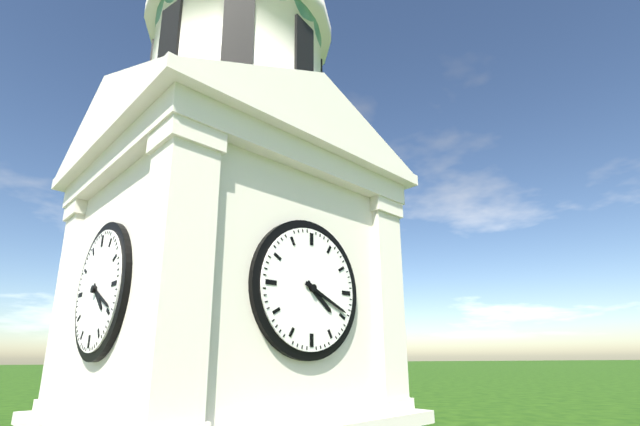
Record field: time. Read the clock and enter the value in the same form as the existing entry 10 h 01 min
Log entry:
4 h 19 min
